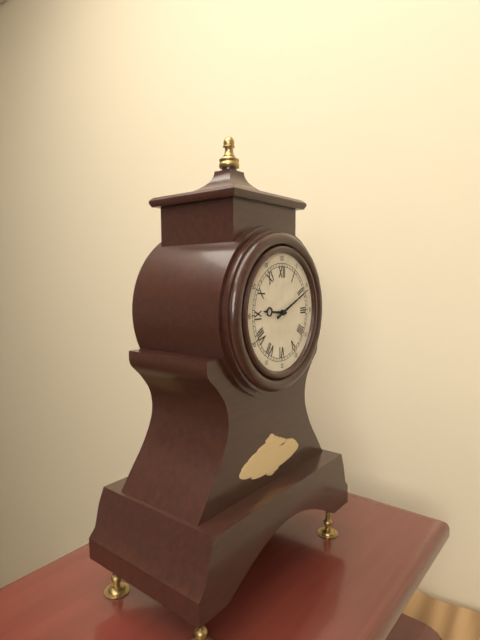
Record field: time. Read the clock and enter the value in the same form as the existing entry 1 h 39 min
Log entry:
9 h 11 min
